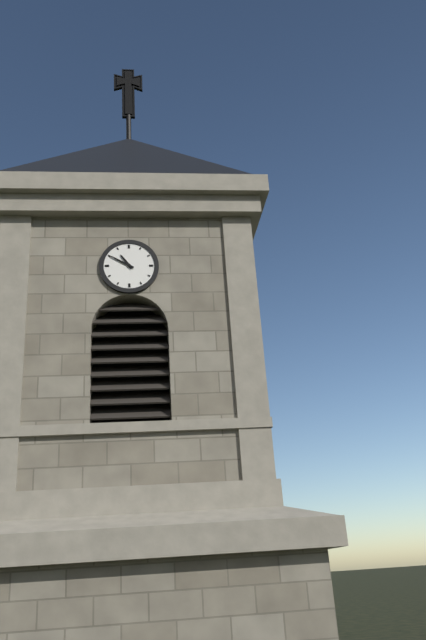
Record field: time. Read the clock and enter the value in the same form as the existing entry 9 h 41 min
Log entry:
10 h 50 min
